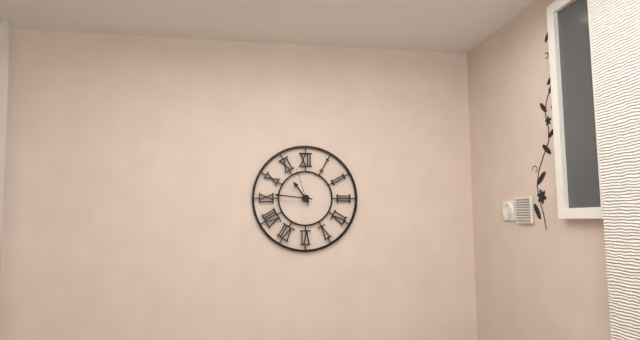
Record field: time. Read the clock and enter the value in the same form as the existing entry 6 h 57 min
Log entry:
10 h 46 min
